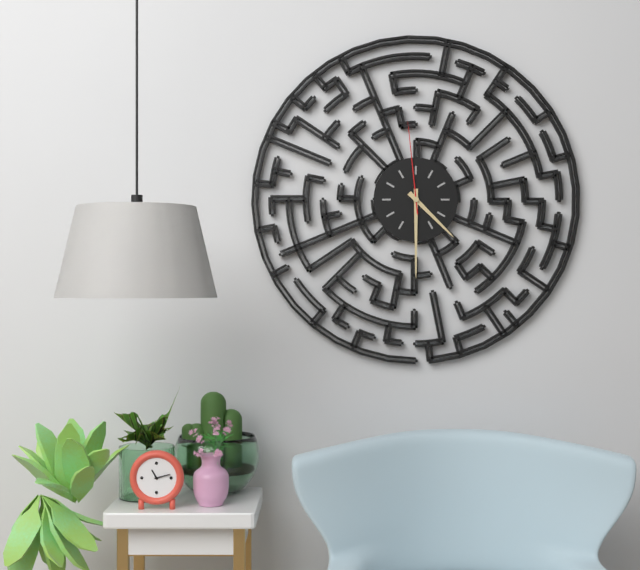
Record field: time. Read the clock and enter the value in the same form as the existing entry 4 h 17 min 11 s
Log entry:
4 h 30 min 59 s
